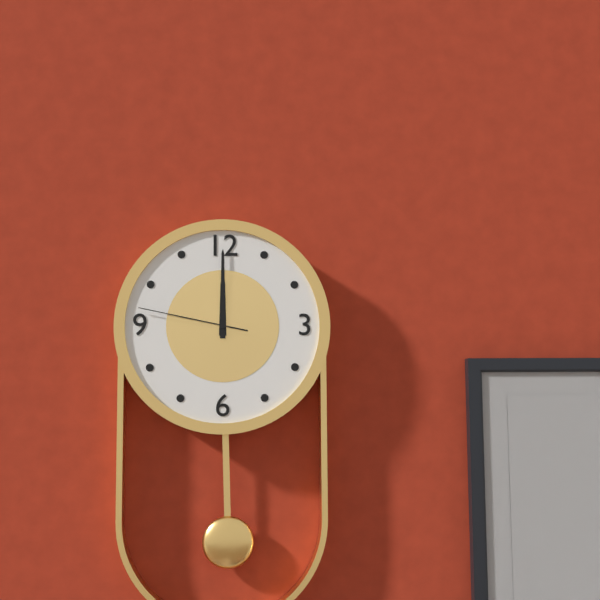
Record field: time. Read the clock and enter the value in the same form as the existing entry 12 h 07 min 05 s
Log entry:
12 h 00 min 47 s
